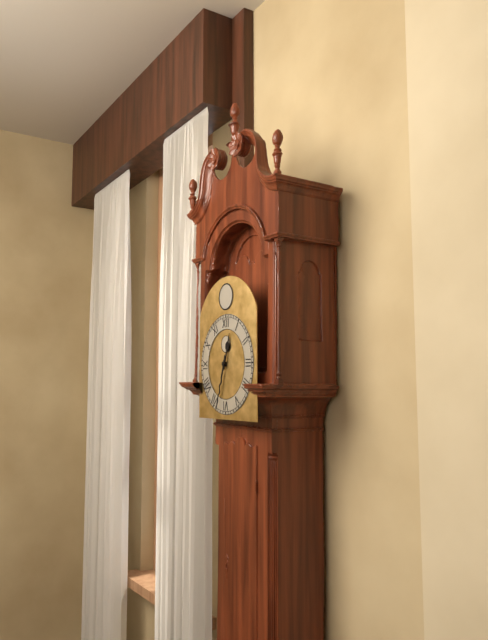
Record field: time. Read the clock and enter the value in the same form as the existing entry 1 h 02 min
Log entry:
12 h 33 min
